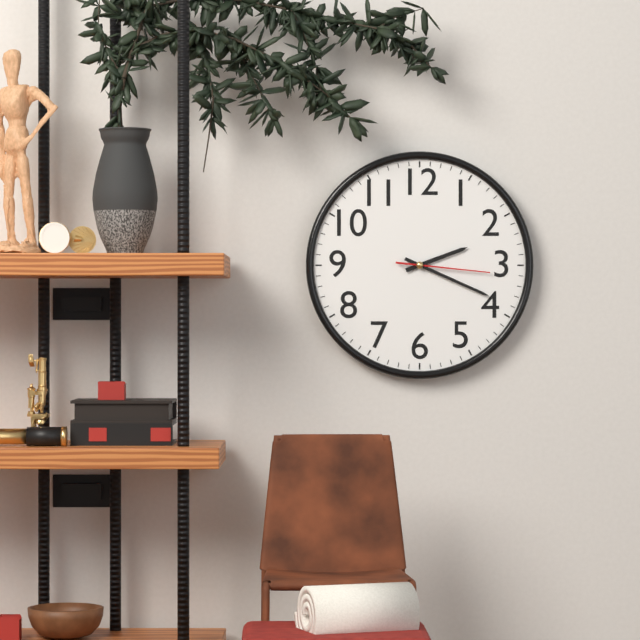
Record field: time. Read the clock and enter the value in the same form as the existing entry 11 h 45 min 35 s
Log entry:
2 h 19 min 16 s
